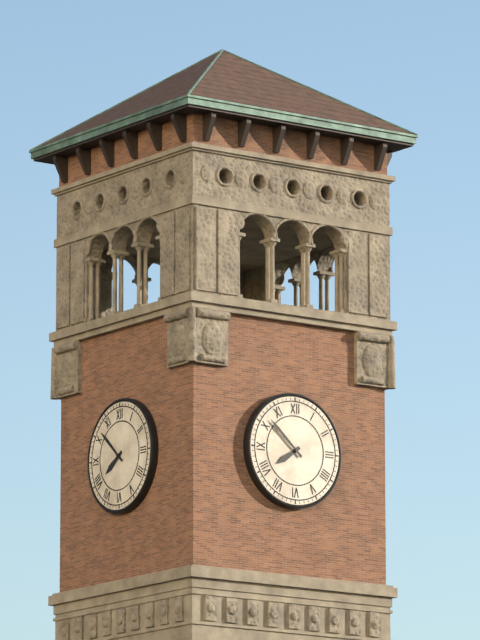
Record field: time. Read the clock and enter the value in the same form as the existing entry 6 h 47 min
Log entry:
7 h 52 min
